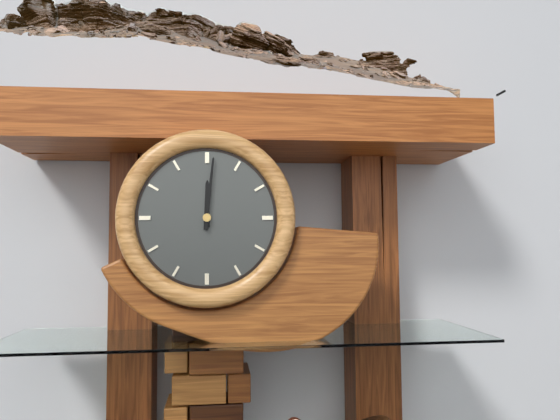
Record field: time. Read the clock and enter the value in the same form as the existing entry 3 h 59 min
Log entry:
12 h 01 min
